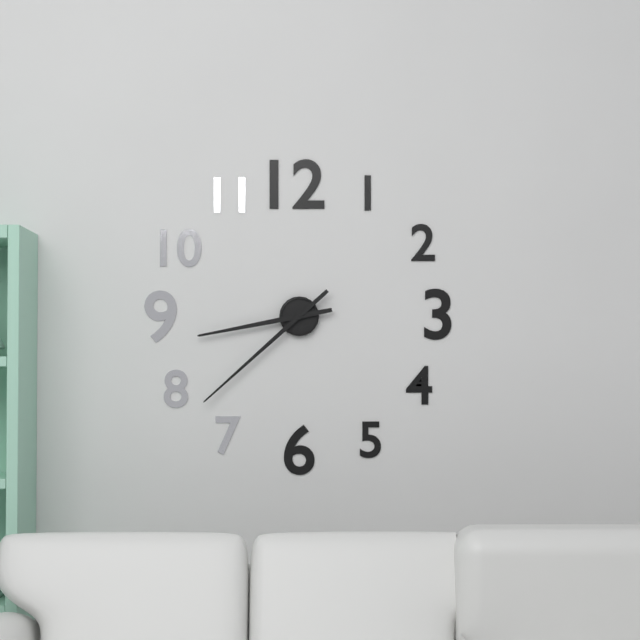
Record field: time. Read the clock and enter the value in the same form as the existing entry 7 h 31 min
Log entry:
8 h 38 min
